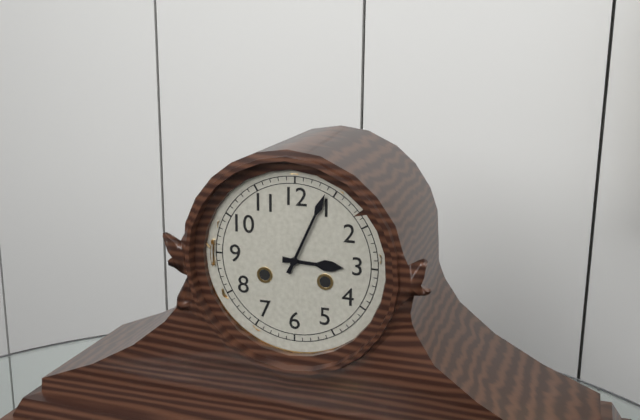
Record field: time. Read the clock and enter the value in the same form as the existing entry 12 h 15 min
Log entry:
3 h 04 min
